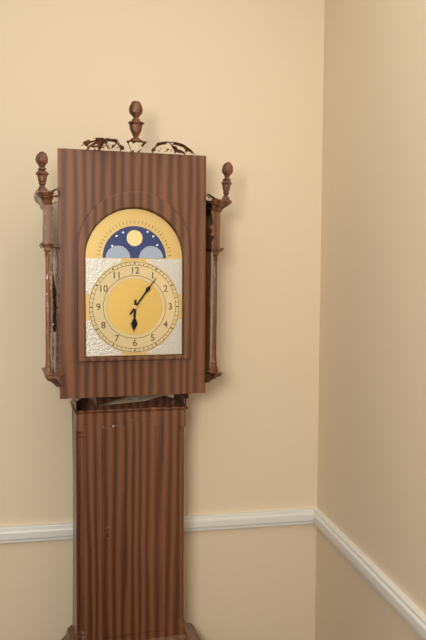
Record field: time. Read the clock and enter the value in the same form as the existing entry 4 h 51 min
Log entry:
6 h 06 min
